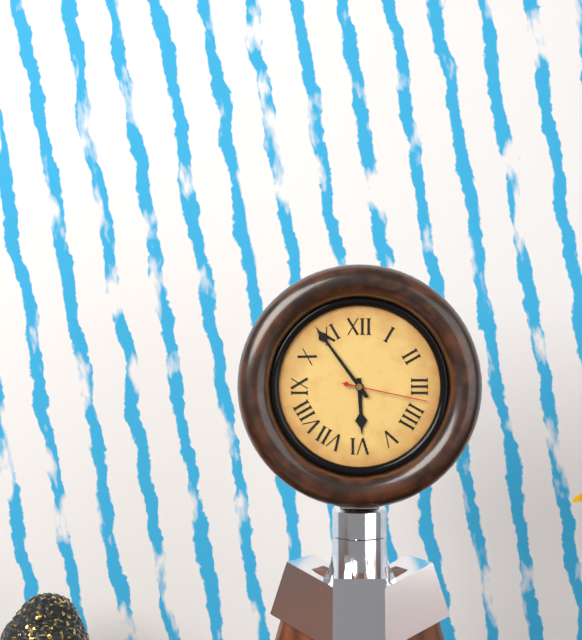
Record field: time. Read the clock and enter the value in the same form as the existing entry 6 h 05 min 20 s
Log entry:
5 h 54 min 17 s
